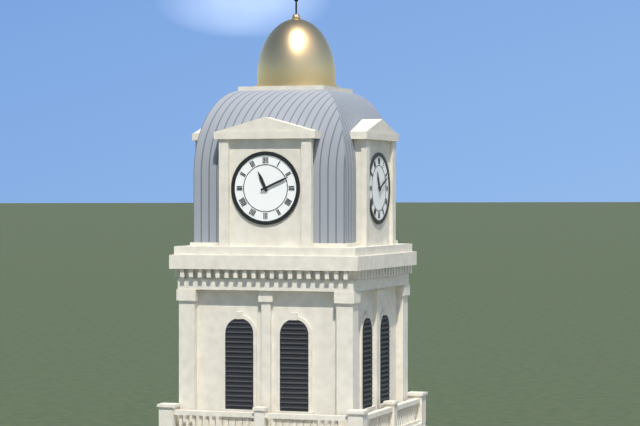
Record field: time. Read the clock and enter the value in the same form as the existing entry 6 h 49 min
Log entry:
11 h 11 min
